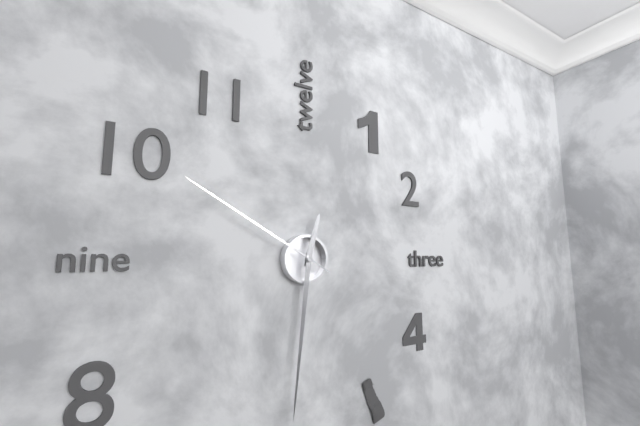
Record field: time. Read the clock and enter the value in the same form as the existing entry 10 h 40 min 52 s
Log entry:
12 h 31 min 50 s
